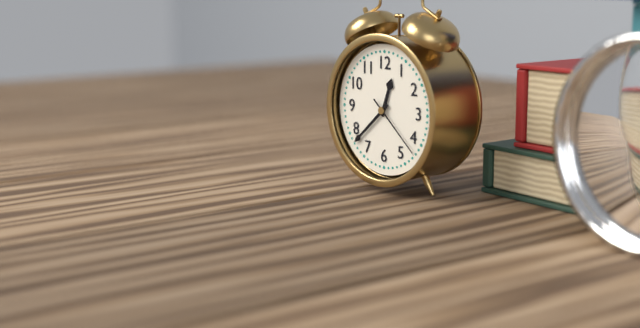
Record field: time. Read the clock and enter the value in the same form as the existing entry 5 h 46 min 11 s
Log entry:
12 h 38 min 22 s
